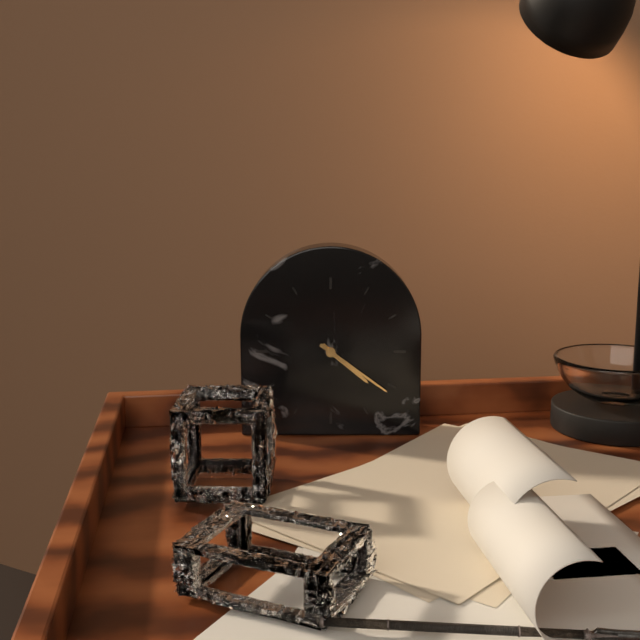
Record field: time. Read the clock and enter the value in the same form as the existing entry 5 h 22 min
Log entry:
4 h 21 min
